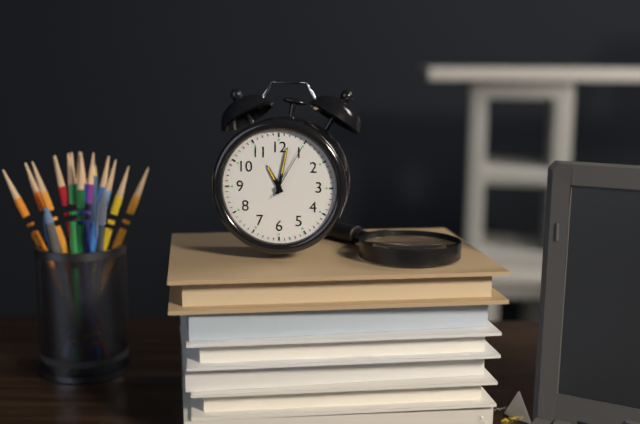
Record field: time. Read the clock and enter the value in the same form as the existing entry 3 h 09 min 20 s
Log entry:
11 h 02 min 05 s
